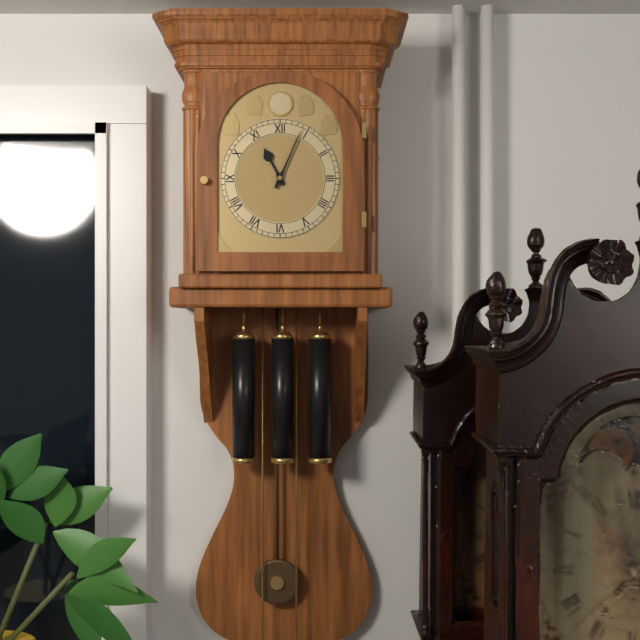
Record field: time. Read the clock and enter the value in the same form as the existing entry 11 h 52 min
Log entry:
11 h 04 min
